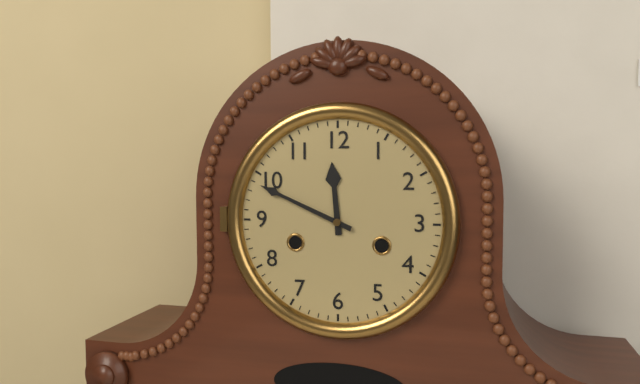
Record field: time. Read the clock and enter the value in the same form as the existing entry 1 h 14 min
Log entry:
11 h 49 min
